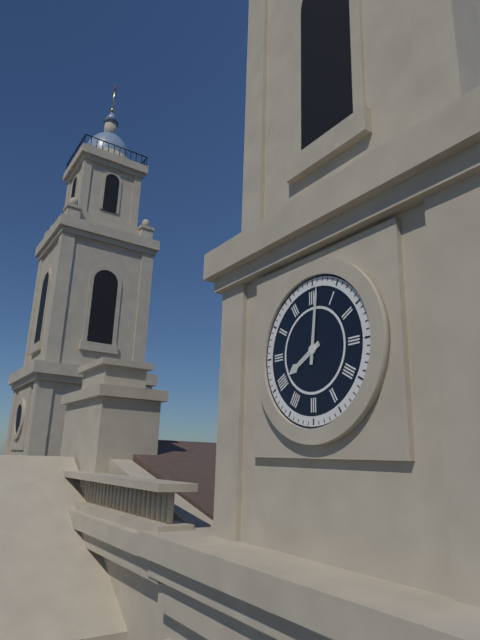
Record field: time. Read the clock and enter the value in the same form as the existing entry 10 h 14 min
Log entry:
8 h 01 min
